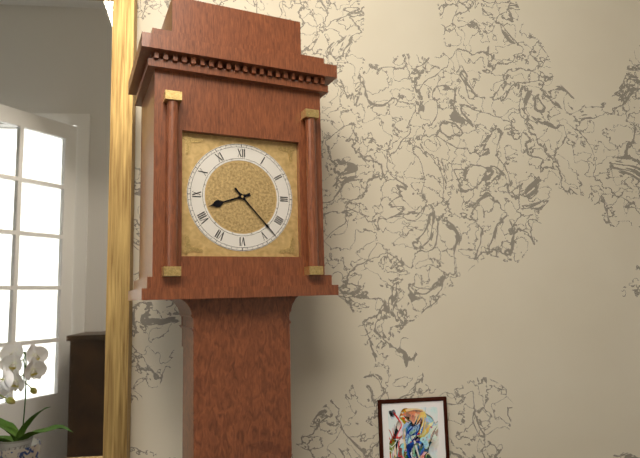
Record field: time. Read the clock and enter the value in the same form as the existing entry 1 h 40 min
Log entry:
8 h 23 min
